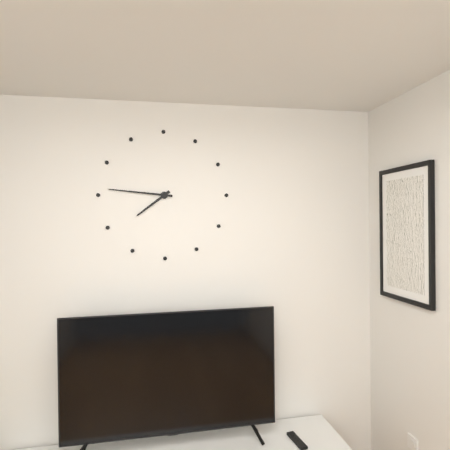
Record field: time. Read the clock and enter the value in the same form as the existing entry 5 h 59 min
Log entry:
7 h 46 min
